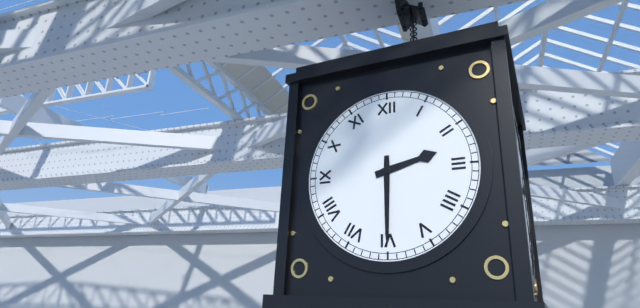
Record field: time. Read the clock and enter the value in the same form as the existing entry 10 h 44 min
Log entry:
2 h 30 min
